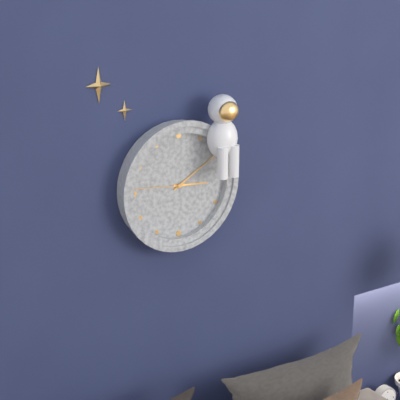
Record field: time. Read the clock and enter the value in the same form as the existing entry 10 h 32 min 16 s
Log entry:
3 h 10 min 46 s
